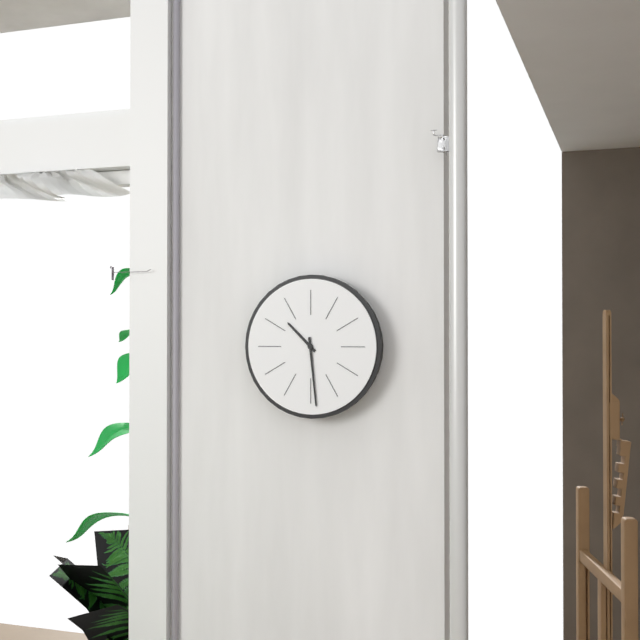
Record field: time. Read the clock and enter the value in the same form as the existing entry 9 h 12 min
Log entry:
10 h 29 min
